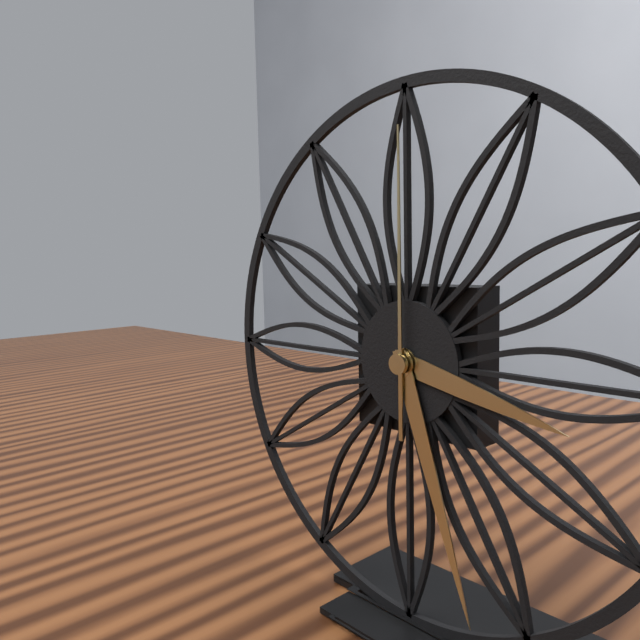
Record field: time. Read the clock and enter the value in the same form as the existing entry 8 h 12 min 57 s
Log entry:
3 h 27 min 00 s
